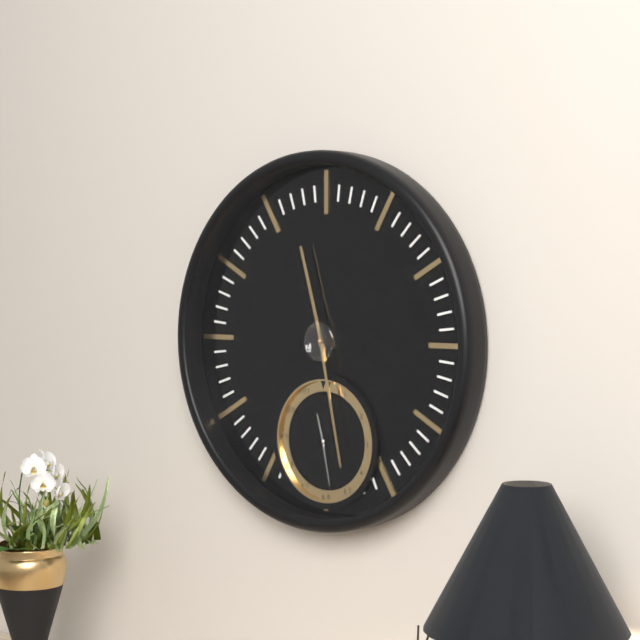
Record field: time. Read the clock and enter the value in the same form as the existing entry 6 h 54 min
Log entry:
11 h 28 min
